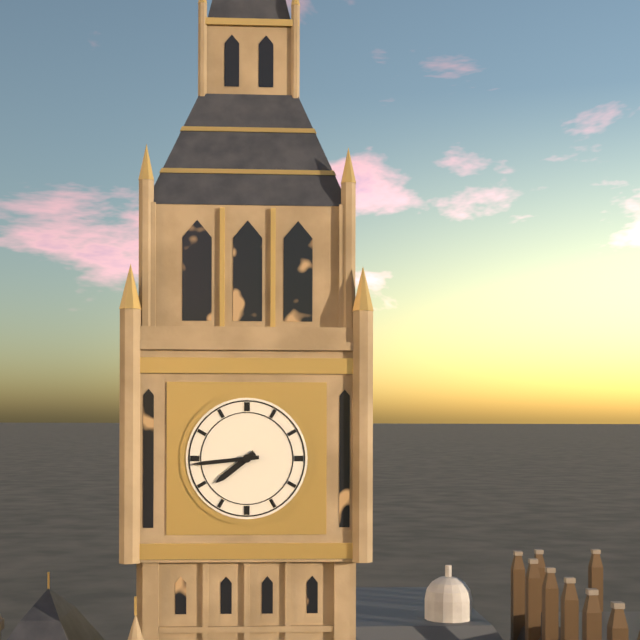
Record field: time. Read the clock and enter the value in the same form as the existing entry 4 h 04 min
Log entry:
7 h 44 min
